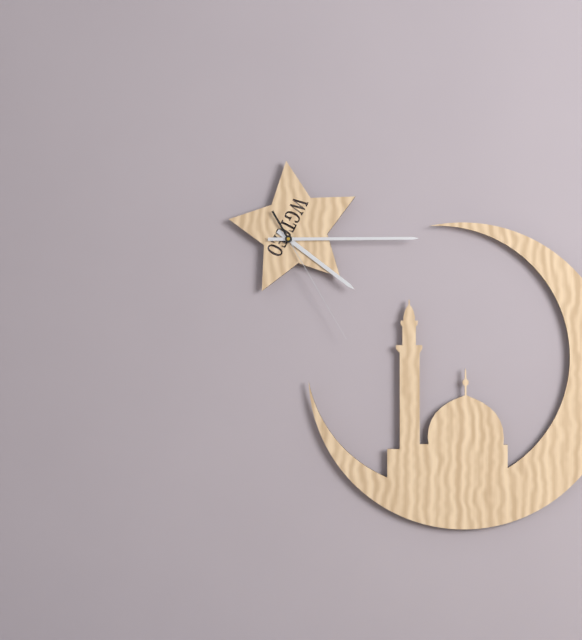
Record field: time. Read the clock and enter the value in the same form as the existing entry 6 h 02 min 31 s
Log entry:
4 h 15 min 25 s
